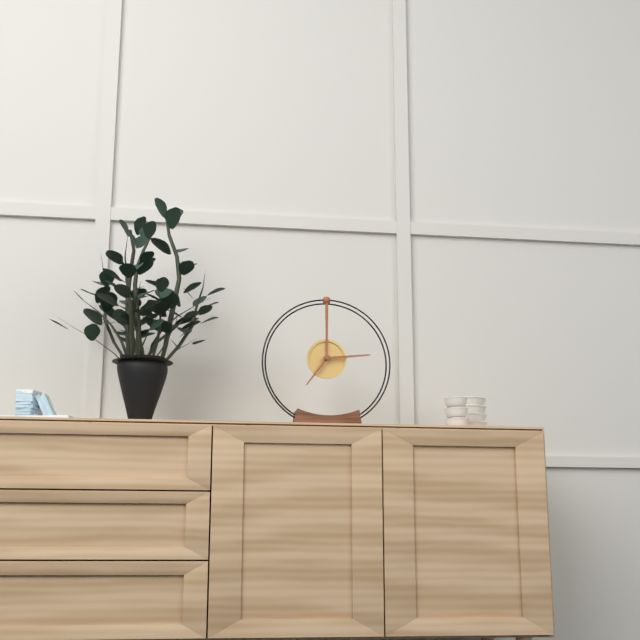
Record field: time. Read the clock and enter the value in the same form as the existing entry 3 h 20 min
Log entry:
7 h 14 min
